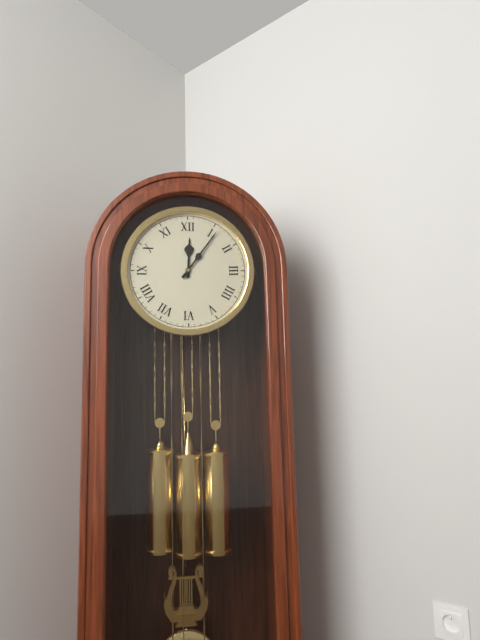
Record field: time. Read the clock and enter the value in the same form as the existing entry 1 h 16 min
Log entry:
12 h 06 min
